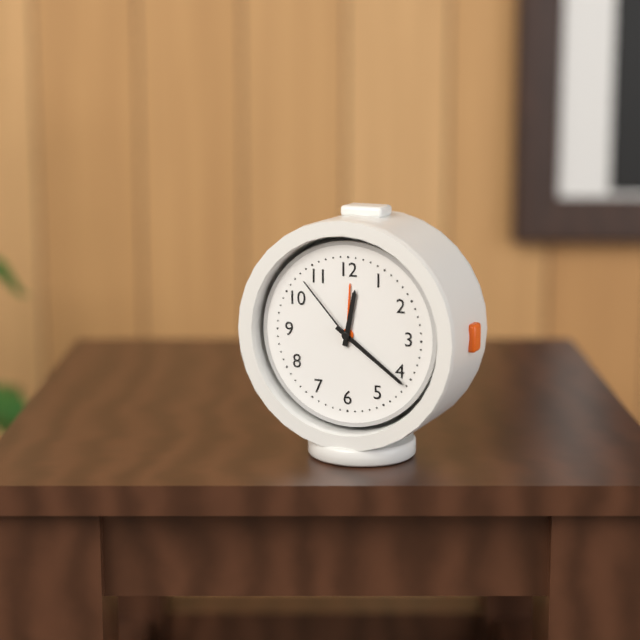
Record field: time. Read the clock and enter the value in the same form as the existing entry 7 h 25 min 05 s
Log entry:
12 h 21 min 53 s
